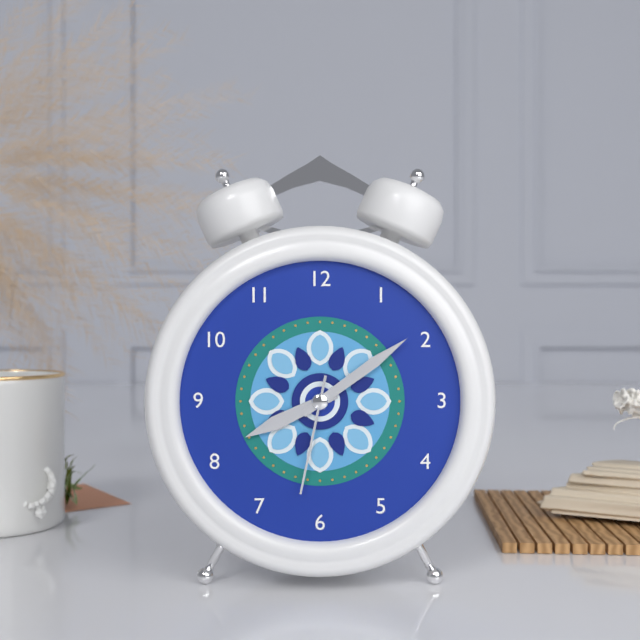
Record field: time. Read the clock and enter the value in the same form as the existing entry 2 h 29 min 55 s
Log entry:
8 h 09 min 32 s
